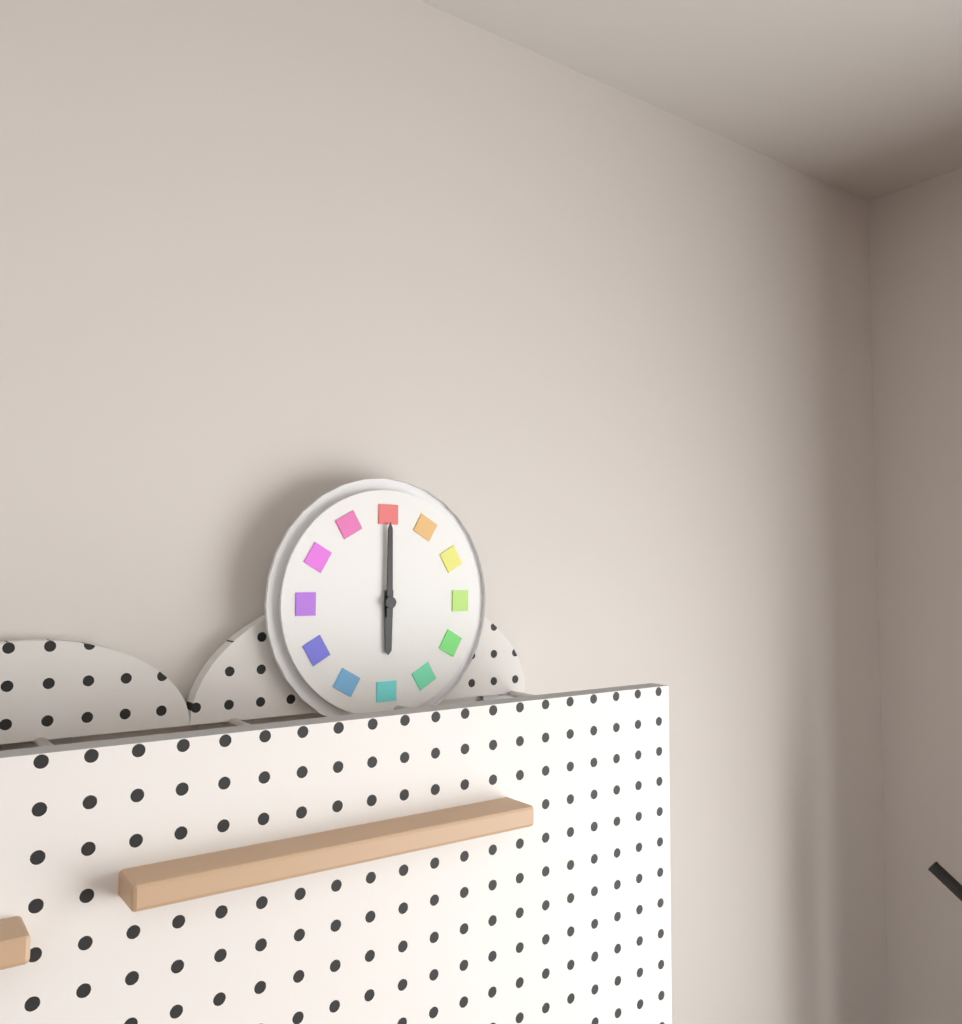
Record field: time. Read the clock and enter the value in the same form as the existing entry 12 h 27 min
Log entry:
6 h 00 min
